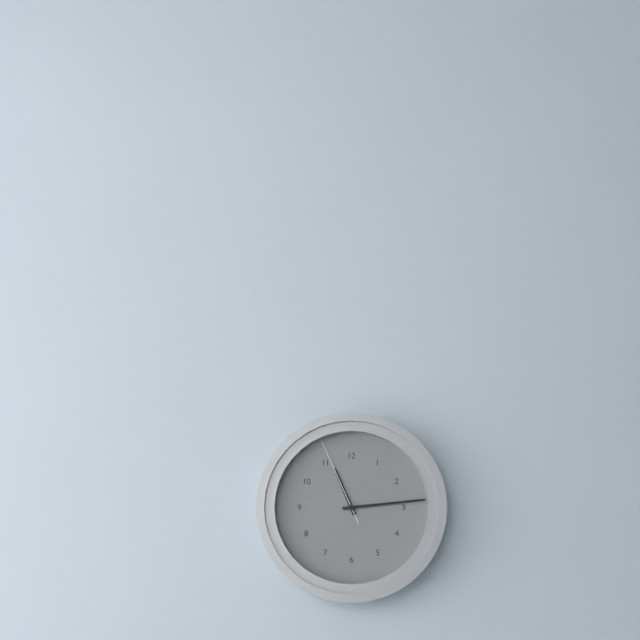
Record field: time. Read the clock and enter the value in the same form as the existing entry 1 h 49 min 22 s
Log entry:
11 h 14 min 56 s
